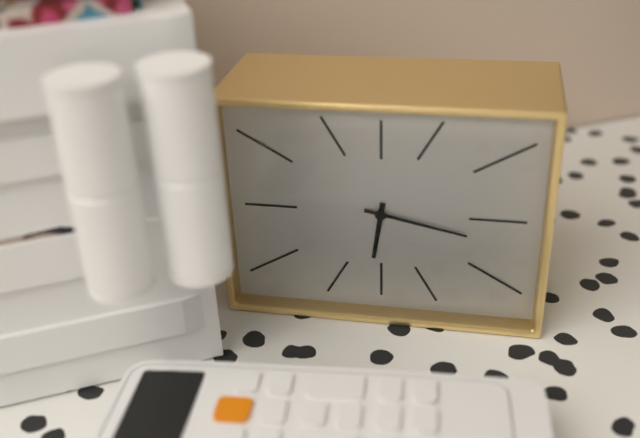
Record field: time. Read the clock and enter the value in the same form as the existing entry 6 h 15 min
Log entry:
6 h 17 min
